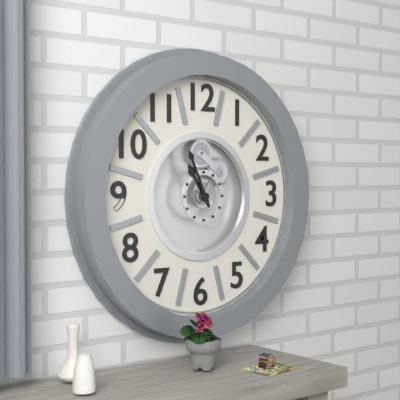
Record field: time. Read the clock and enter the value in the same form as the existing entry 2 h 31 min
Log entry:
10 h 56 min
